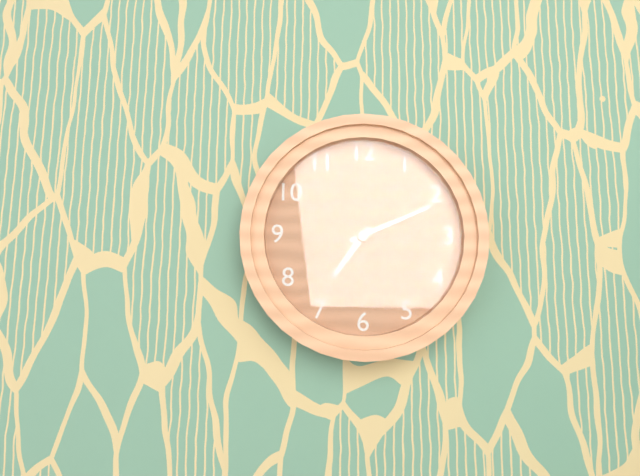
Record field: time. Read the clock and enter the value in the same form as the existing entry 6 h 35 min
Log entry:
7 h 11 min
